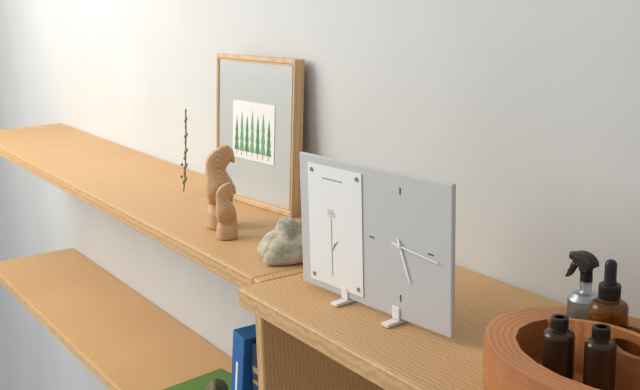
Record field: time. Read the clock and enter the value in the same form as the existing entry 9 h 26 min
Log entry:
5 h 16 min
